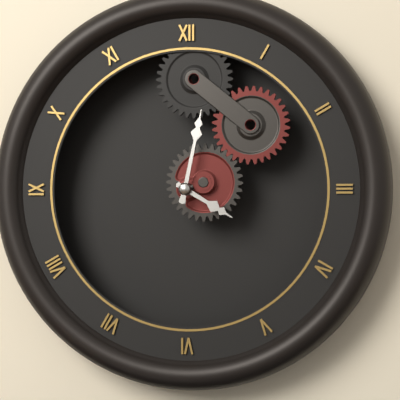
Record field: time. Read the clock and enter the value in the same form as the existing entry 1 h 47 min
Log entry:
4 h 02 min
